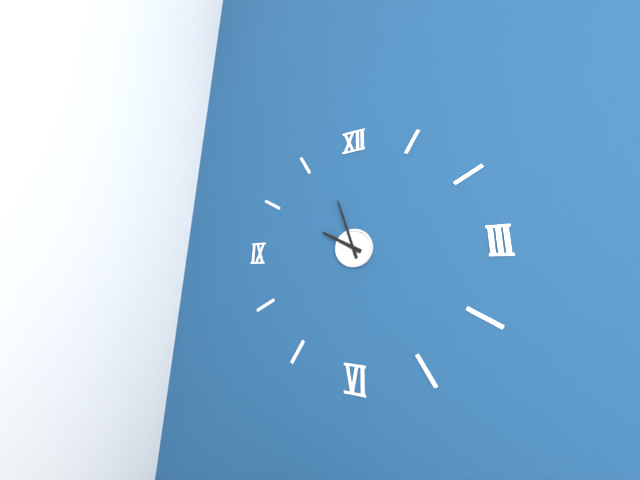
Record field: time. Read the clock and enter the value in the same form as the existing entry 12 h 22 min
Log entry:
9 h 57 min
